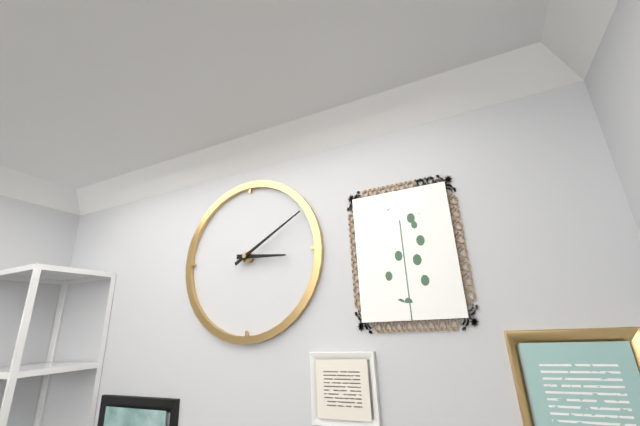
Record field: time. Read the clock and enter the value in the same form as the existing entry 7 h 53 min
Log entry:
3 h 10 min
